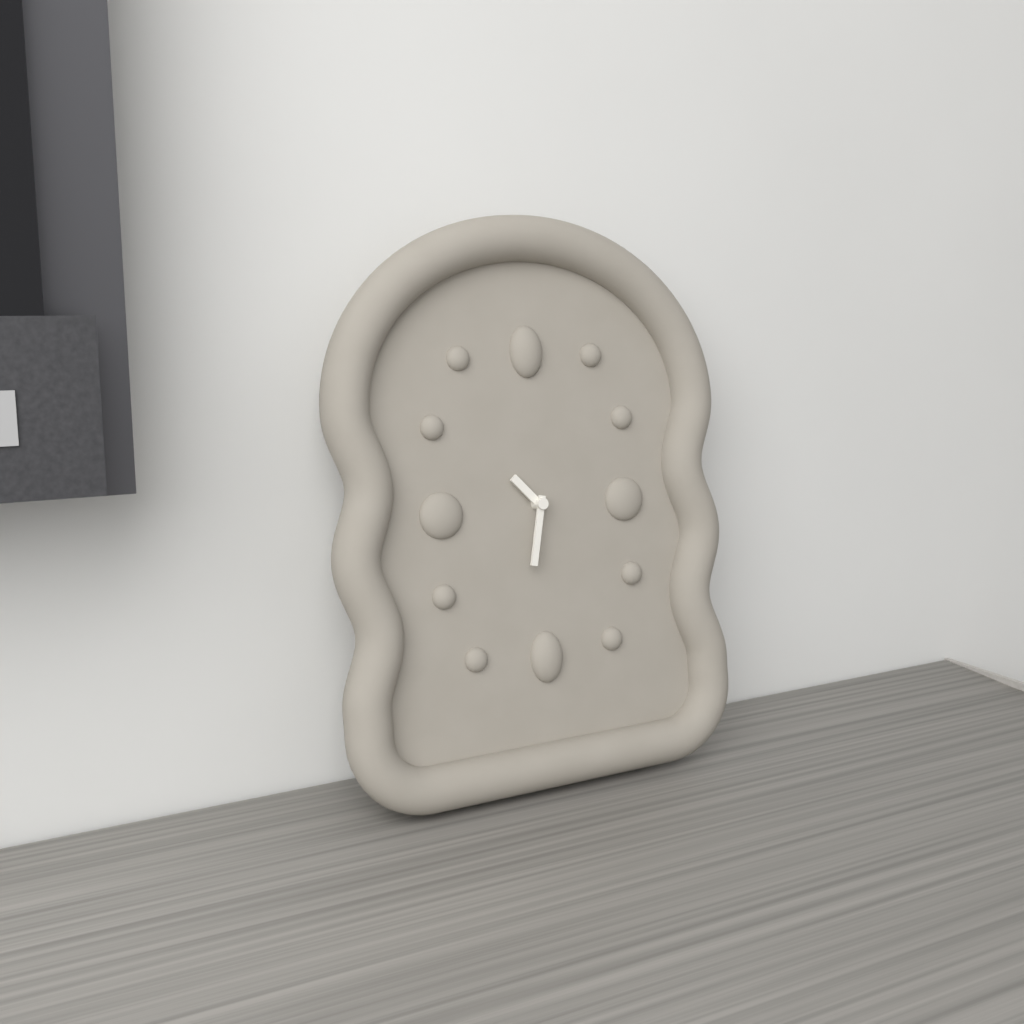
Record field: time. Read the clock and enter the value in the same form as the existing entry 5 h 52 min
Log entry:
10 h 32 min
